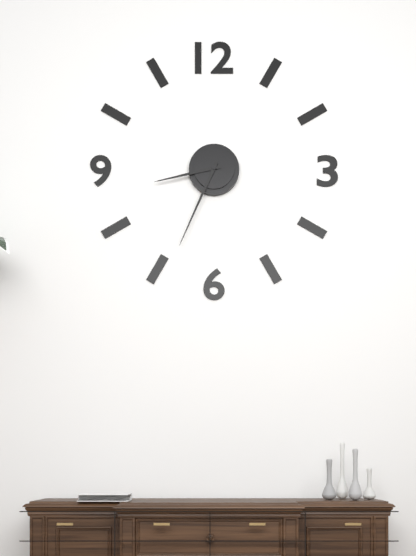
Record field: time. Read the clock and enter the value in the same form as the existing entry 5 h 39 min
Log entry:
8 h 34 min
